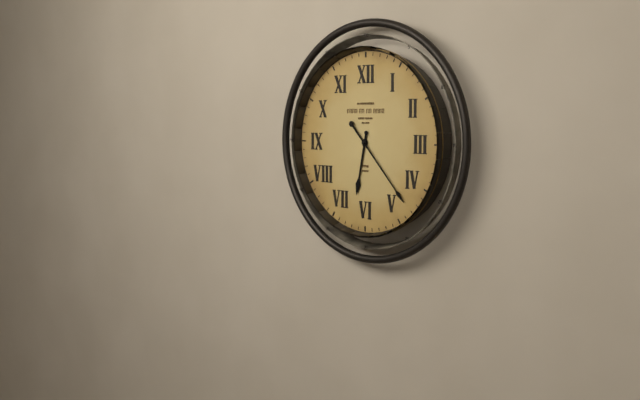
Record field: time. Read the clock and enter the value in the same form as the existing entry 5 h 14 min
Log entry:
6 h 23 min
